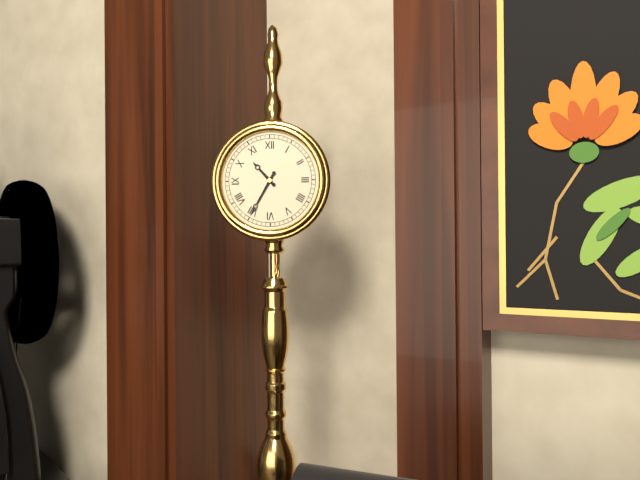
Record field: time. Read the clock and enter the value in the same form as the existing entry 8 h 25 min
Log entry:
10 h 35 min
